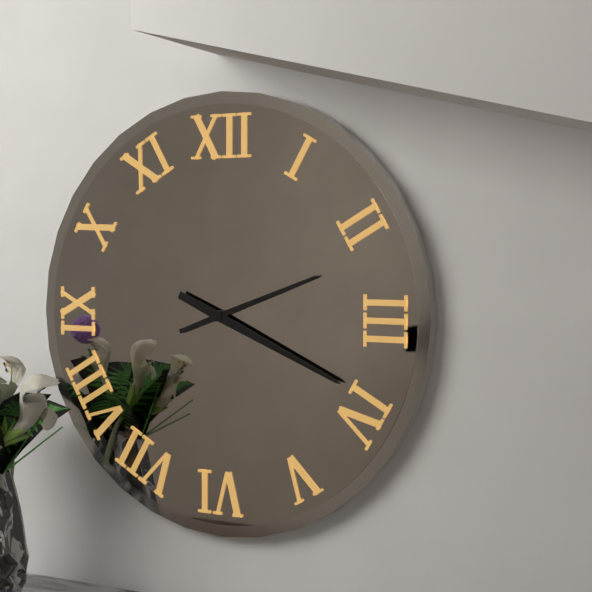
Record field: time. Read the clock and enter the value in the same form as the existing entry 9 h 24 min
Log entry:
2 h 19 min
